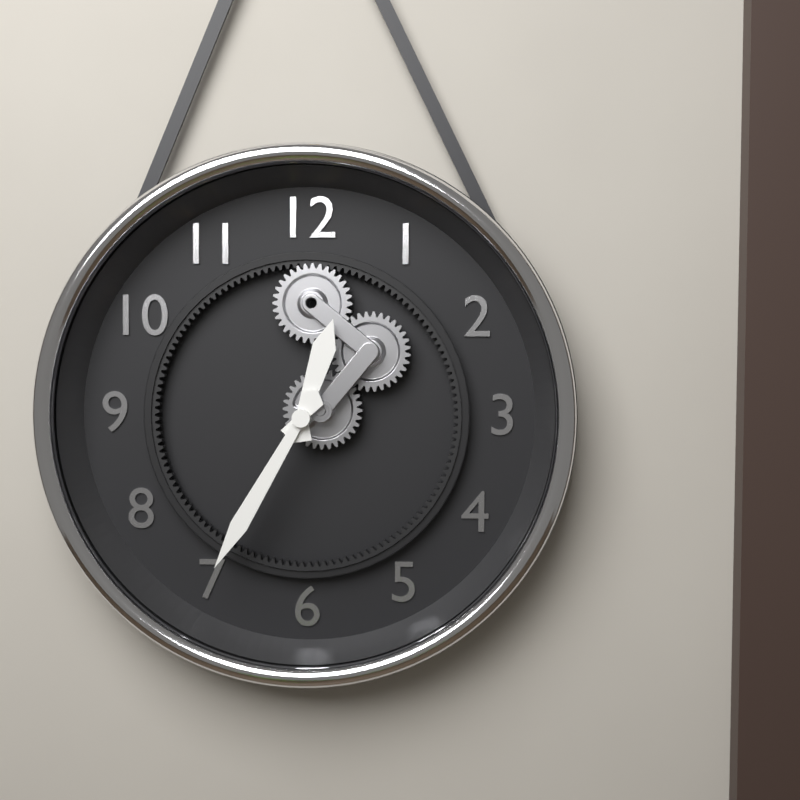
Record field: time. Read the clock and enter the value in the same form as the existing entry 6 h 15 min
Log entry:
12 h 35 min
